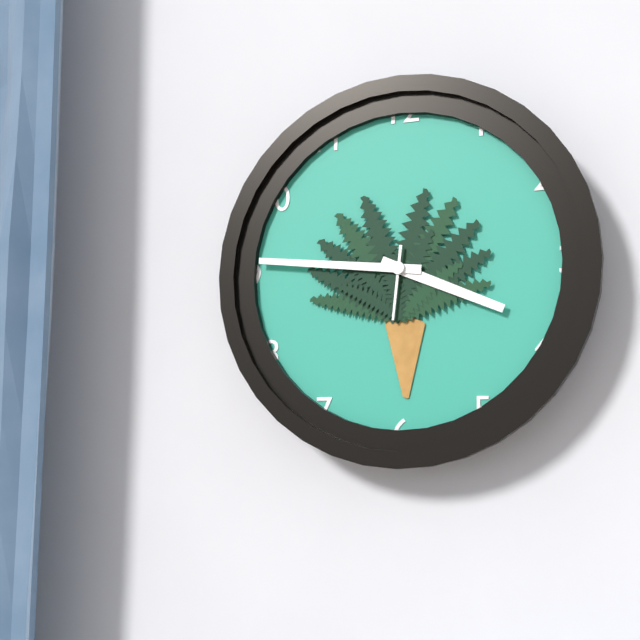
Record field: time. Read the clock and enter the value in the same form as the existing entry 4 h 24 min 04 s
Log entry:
3 h 46 min 31 s
